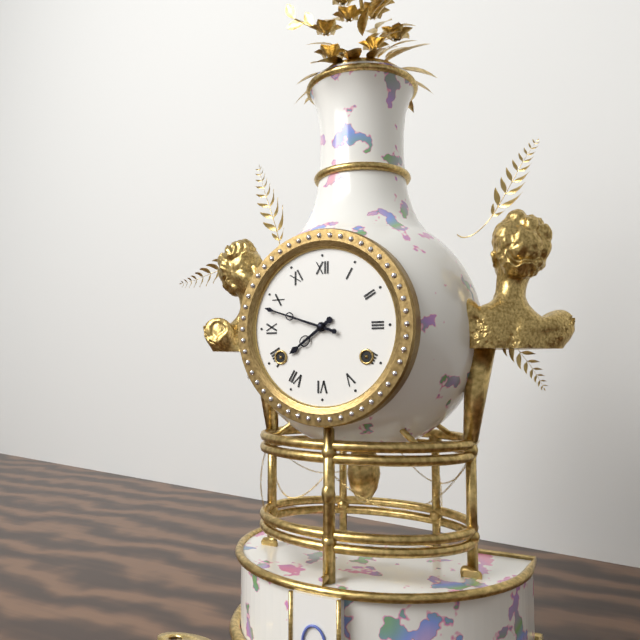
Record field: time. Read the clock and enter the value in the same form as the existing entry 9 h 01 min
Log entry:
7 h 48 min
